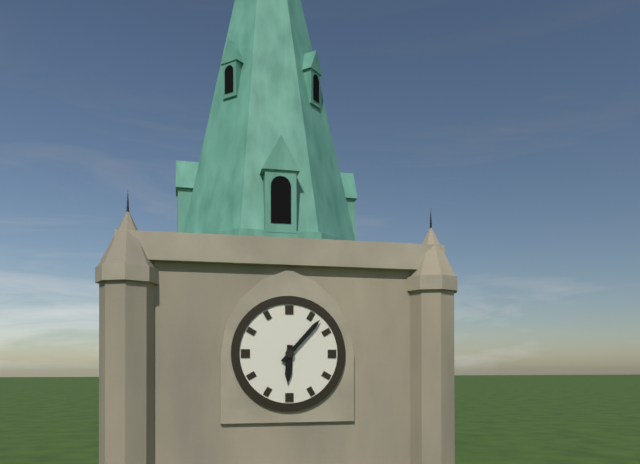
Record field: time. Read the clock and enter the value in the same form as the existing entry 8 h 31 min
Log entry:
6 h 07 min
